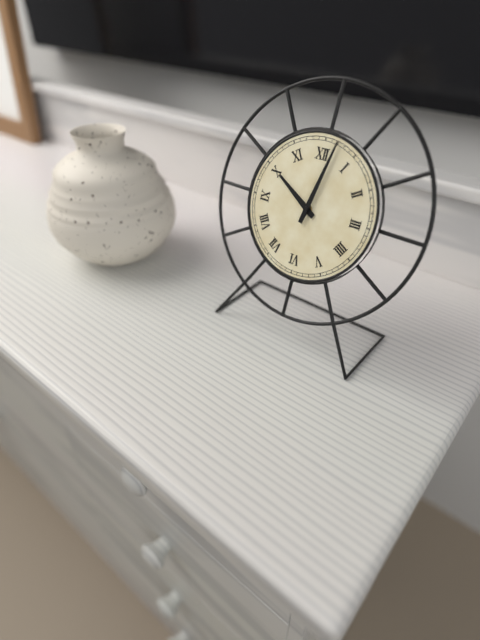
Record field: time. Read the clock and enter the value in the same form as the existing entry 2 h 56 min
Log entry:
10 h 02 min
